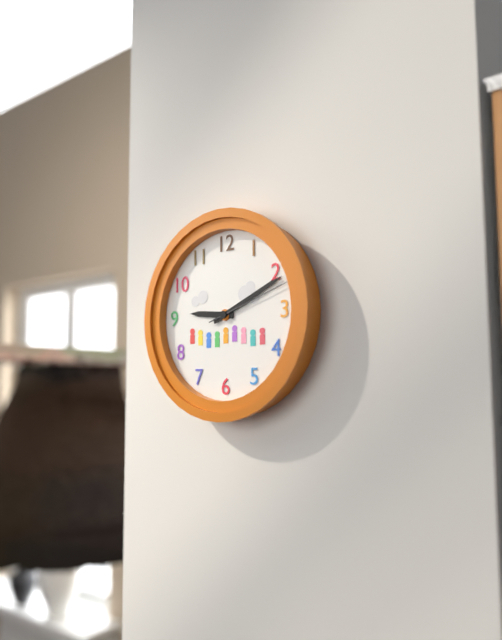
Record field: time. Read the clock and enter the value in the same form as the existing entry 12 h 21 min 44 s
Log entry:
9 h 11 min 12 s
